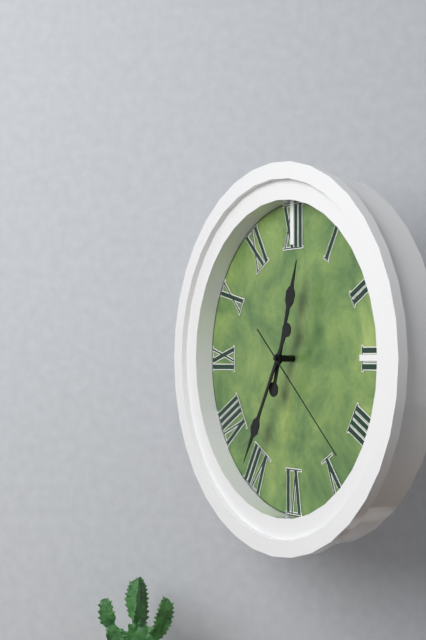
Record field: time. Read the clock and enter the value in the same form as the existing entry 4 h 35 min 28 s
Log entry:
12 h 35 min 22 s
